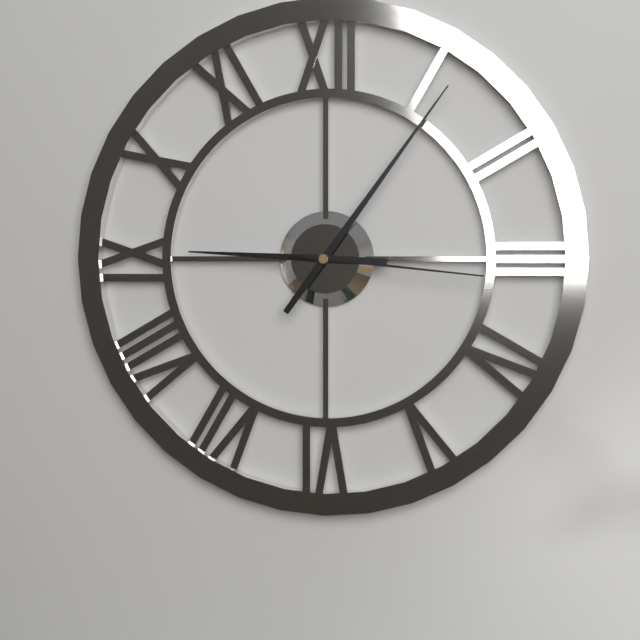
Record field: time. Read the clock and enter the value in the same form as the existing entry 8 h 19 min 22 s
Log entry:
9 h 06 min 16 s
